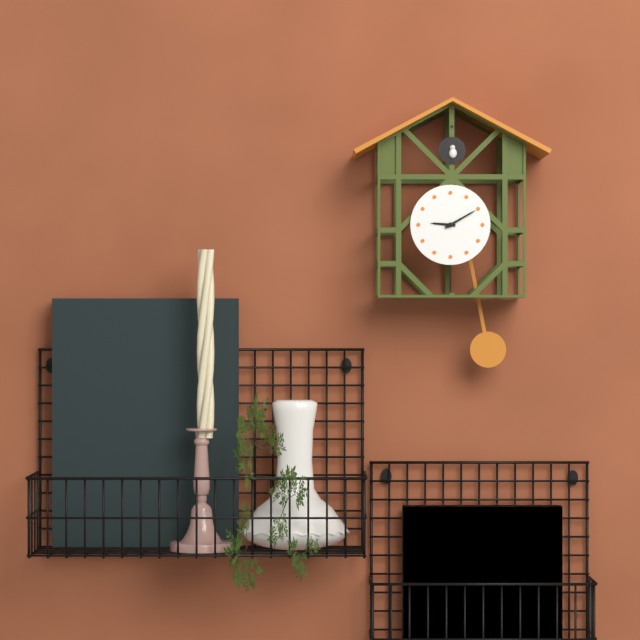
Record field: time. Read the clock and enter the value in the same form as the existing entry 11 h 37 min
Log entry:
9 h 10 min
